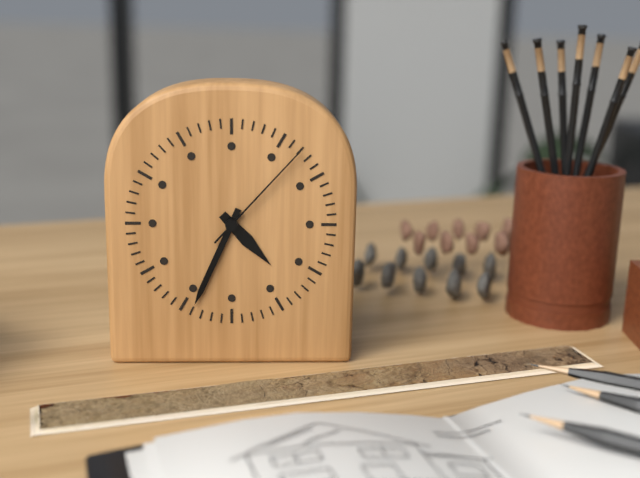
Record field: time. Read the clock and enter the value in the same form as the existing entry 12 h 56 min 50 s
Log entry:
4 h 34 min 07 s
